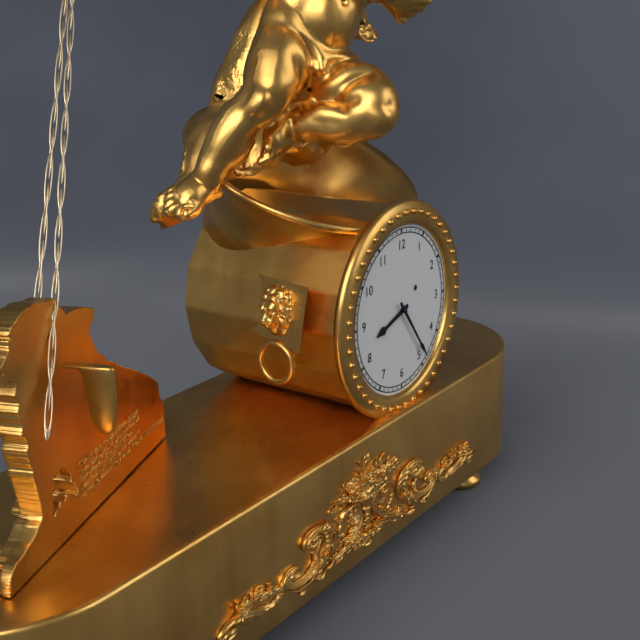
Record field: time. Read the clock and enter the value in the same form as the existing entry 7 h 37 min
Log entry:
8 h 24 min
